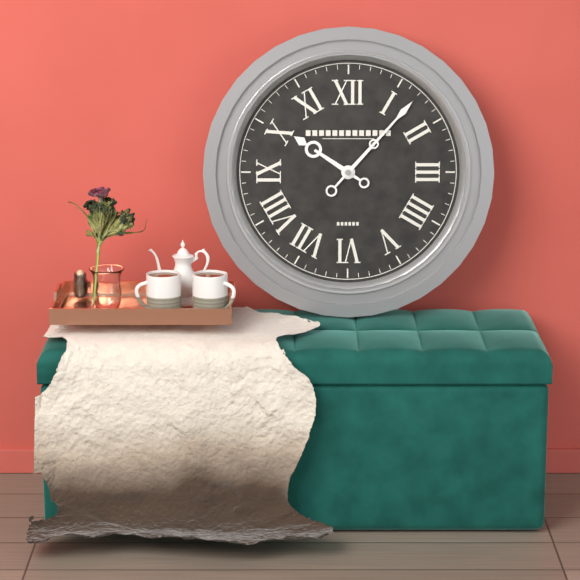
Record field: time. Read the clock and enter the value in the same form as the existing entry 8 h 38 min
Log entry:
10 h 07 min
